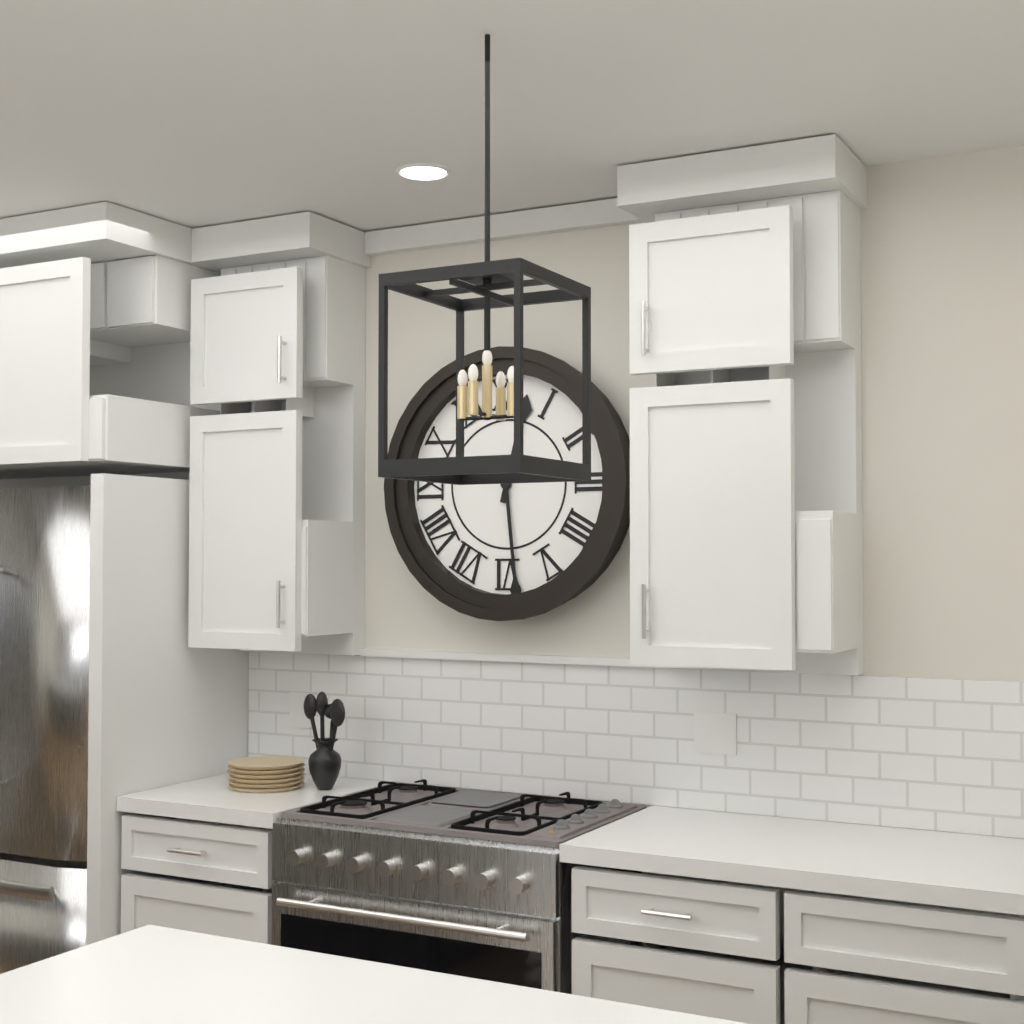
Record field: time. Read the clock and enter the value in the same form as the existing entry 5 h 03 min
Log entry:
12 h 29 min
